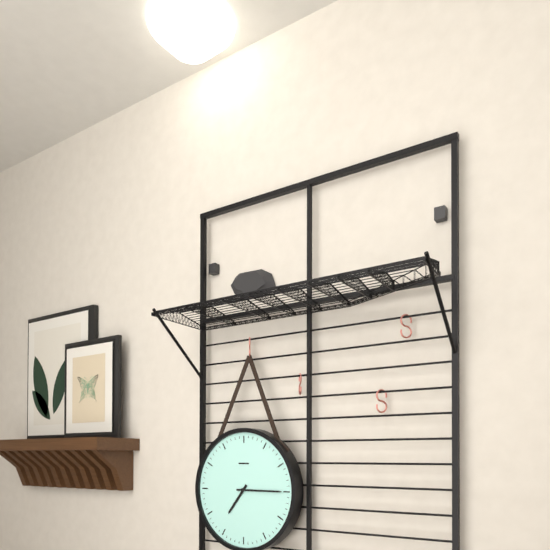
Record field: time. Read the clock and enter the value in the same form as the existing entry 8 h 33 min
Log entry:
7 h 15 min
